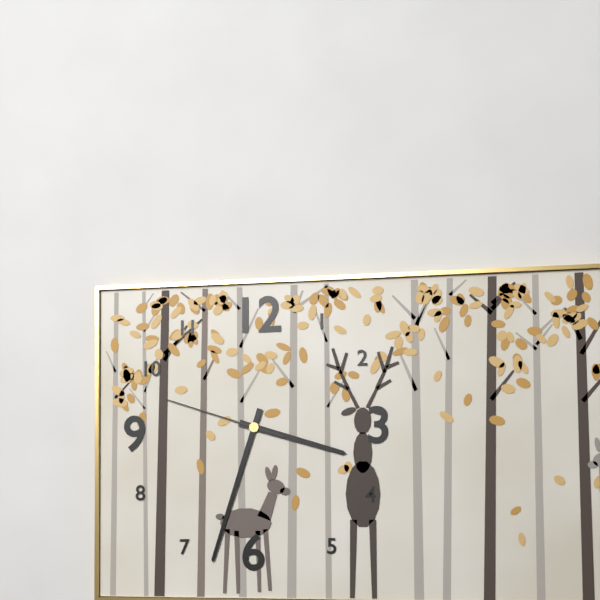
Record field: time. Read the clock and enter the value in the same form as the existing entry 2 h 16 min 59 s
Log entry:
3 h 33 min 48 s
